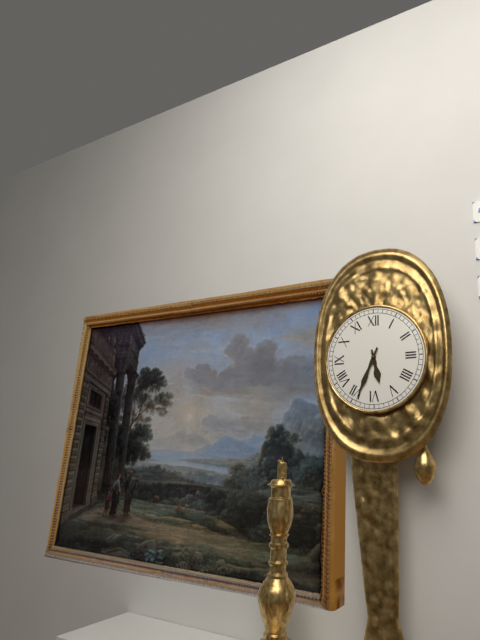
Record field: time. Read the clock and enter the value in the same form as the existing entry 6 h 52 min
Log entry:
5 h 34 min
